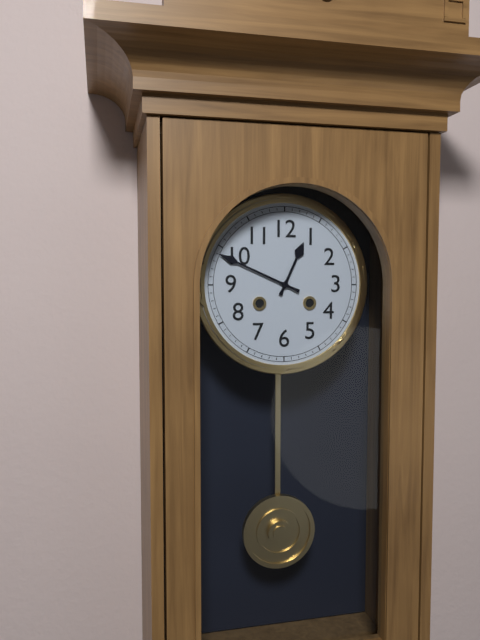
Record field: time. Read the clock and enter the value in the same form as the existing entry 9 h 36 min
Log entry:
12 h 49 min
